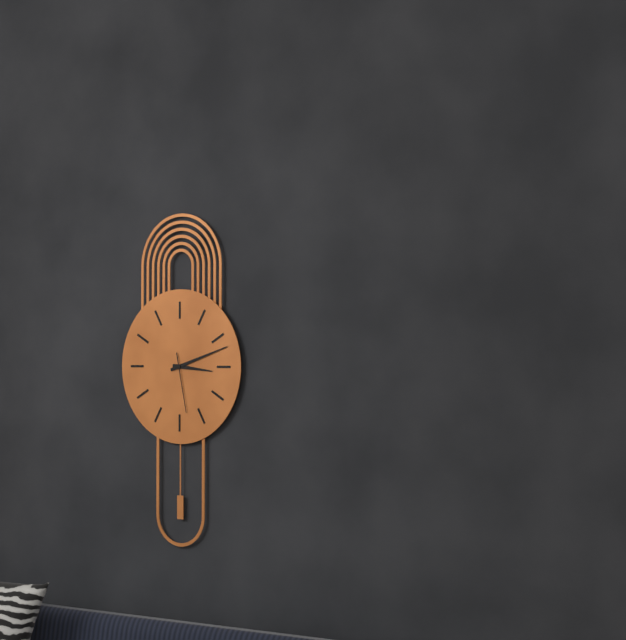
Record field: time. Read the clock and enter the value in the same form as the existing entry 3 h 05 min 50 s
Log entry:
3 h 12 min 28 s
